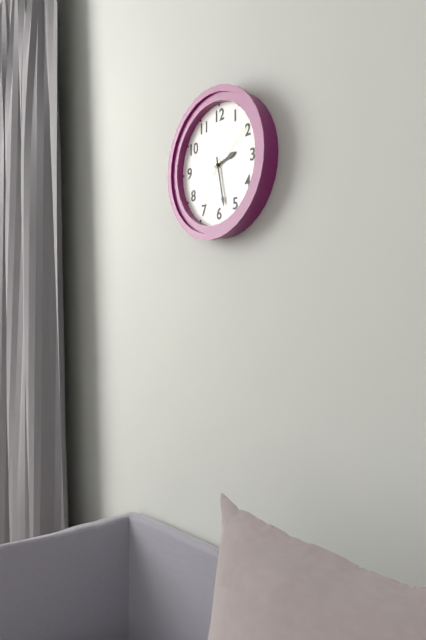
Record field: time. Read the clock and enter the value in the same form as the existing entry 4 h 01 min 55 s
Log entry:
2 h 28 min 09 s
